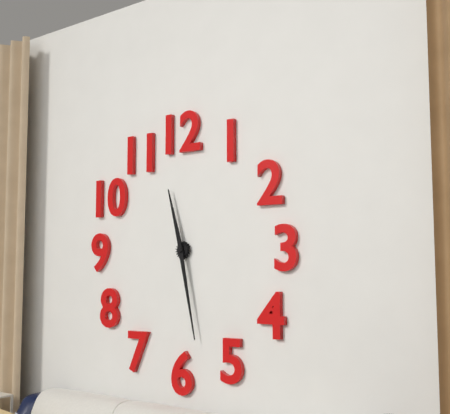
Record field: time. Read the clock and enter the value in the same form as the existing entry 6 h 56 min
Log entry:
11 h 28 min
